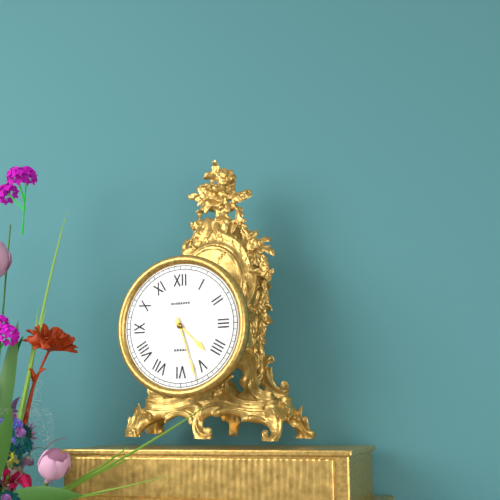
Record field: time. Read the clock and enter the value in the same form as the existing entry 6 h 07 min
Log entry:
4 h 27 min
